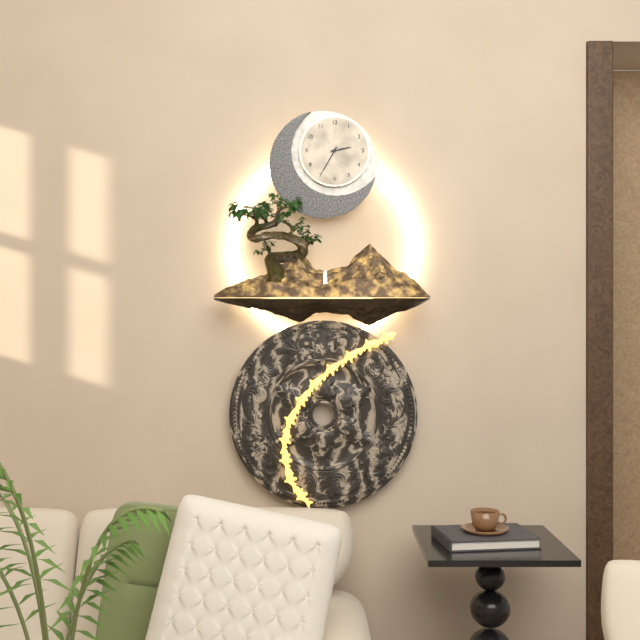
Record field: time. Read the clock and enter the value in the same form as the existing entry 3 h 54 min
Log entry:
2 h 35 min
